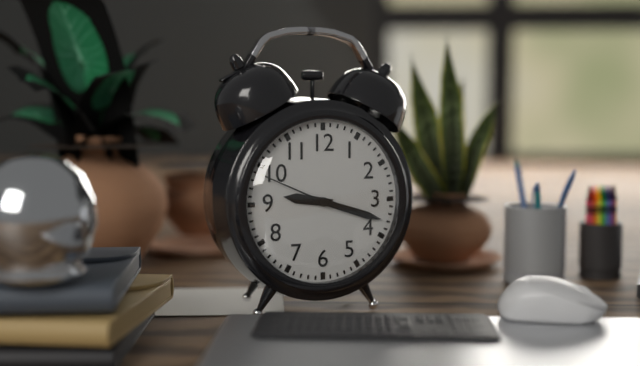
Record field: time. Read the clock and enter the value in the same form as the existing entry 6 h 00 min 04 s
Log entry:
9 h 18 min 49 s
